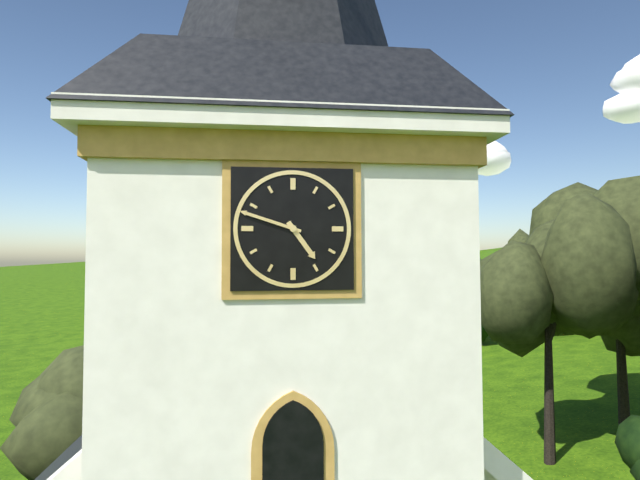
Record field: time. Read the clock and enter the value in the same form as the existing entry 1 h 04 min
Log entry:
4 h 48 min
